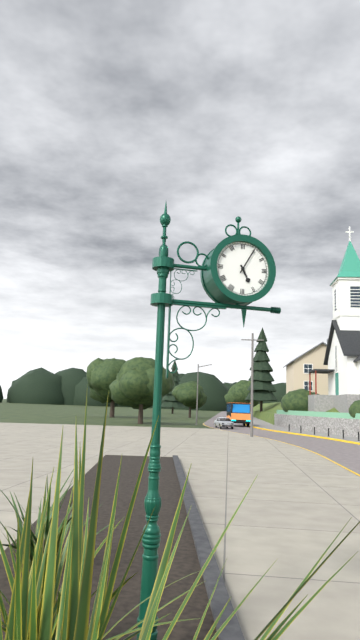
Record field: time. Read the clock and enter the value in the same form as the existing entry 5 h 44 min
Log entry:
5 h 05 min
